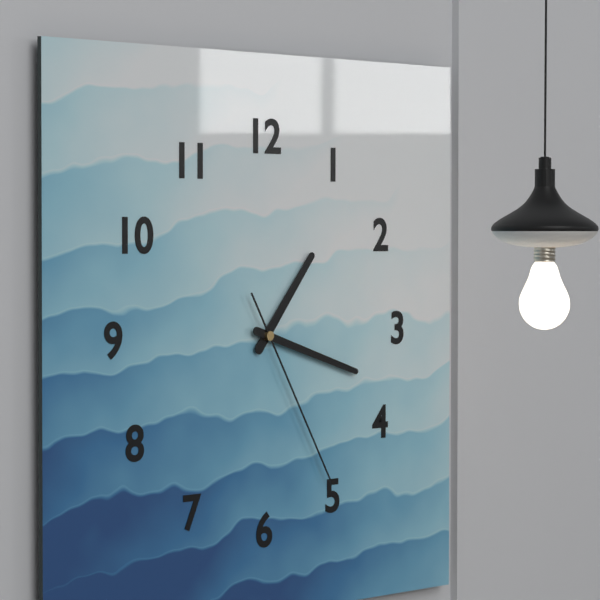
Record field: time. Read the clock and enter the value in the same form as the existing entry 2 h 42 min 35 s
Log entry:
1 h 18 min 25 s
